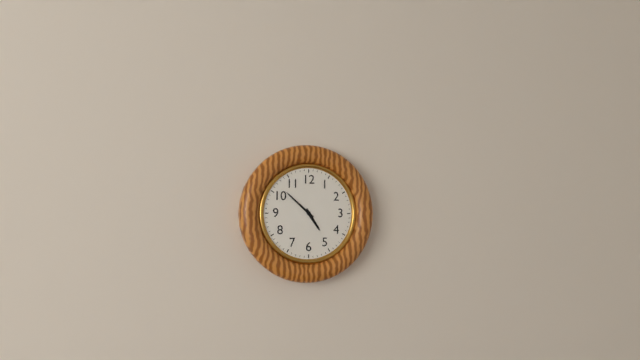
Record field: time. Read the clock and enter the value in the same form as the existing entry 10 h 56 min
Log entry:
4 h 52 min
